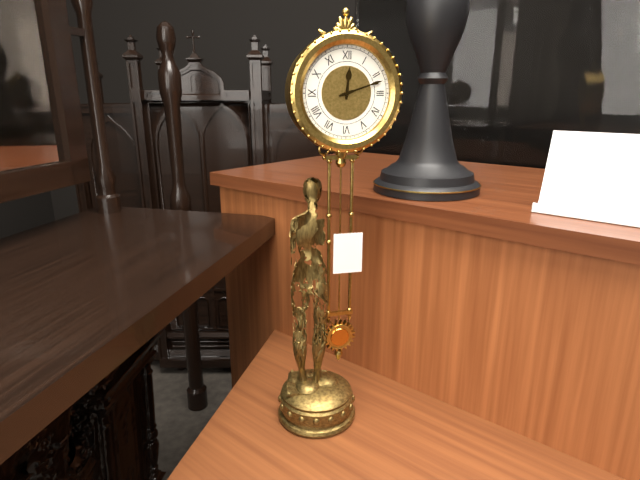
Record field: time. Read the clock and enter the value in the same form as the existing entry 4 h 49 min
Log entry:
12 h 12 min
